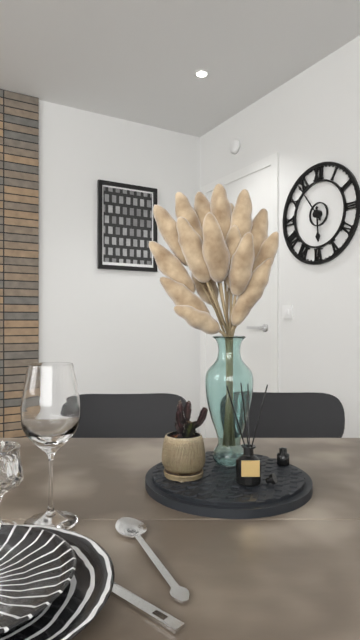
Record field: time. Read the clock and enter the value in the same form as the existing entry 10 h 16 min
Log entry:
5 h 54 min
